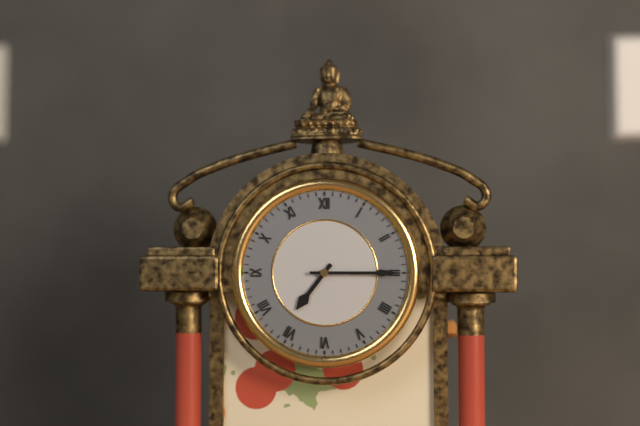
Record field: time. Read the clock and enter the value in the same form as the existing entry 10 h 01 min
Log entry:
7 h 15 min
